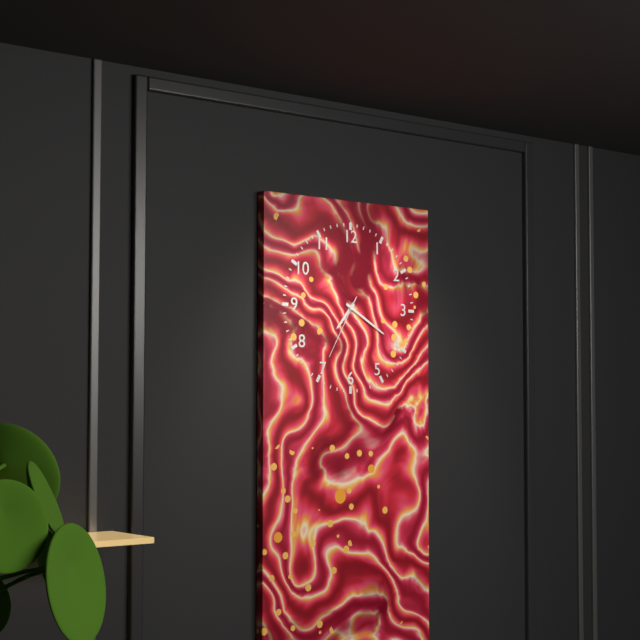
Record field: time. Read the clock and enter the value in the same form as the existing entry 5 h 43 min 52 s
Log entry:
7 h 20 min 35 s
